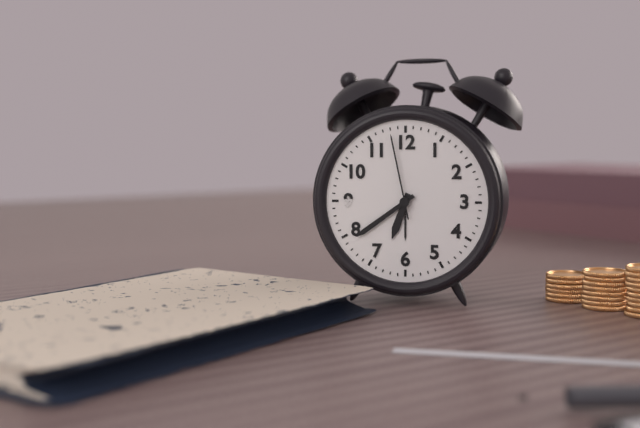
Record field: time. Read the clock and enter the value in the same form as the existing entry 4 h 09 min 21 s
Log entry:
6 h 39 min 58 s
